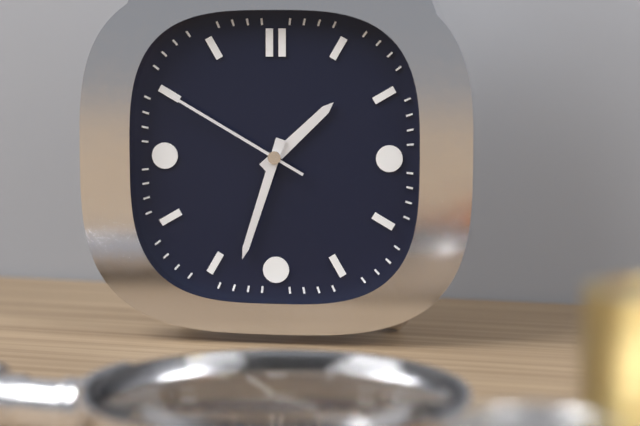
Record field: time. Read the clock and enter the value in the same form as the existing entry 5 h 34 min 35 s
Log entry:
1 h 33 min 50 s
